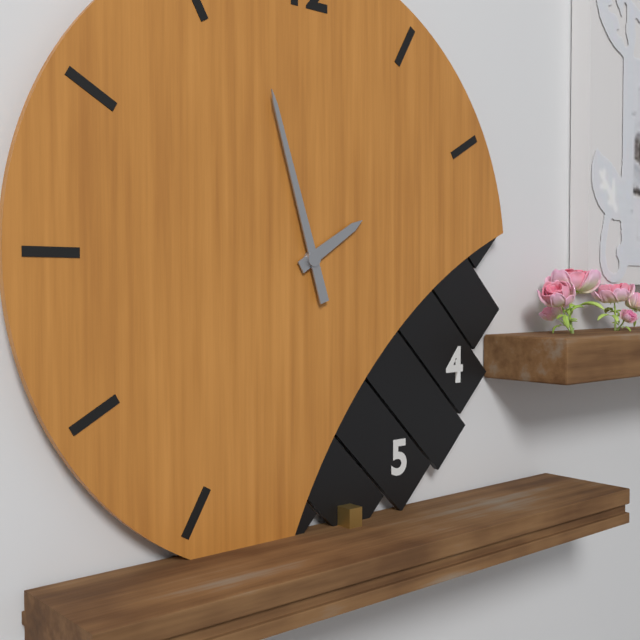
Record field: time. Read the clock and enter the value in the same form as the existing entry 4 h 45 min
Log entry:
1 h 57 min
